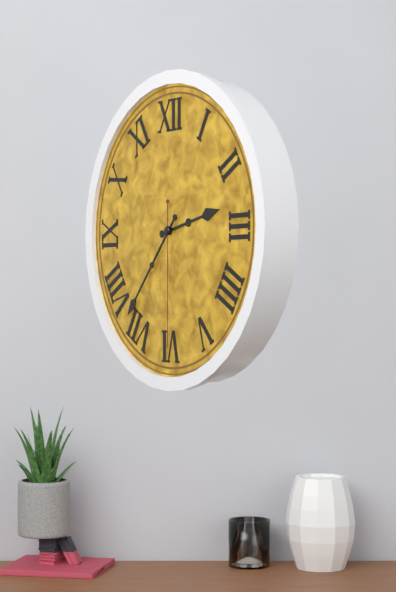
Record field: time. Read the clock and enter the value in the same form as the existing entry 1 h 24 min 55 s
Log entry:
2 h 37 min 30 s
